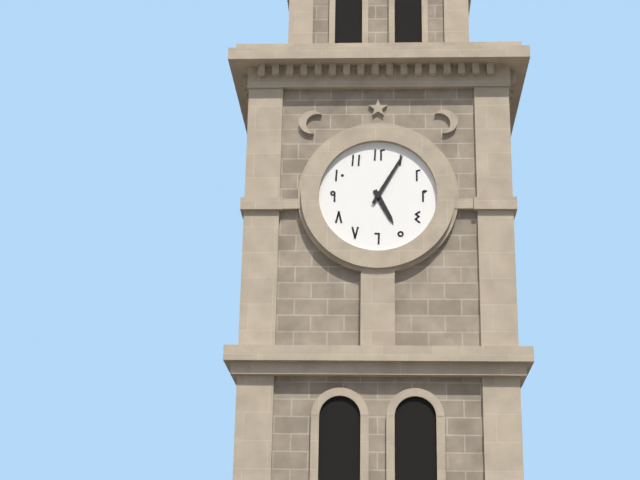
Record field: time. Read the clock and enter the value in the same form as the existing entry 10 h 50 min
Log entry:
5 h 05 min
